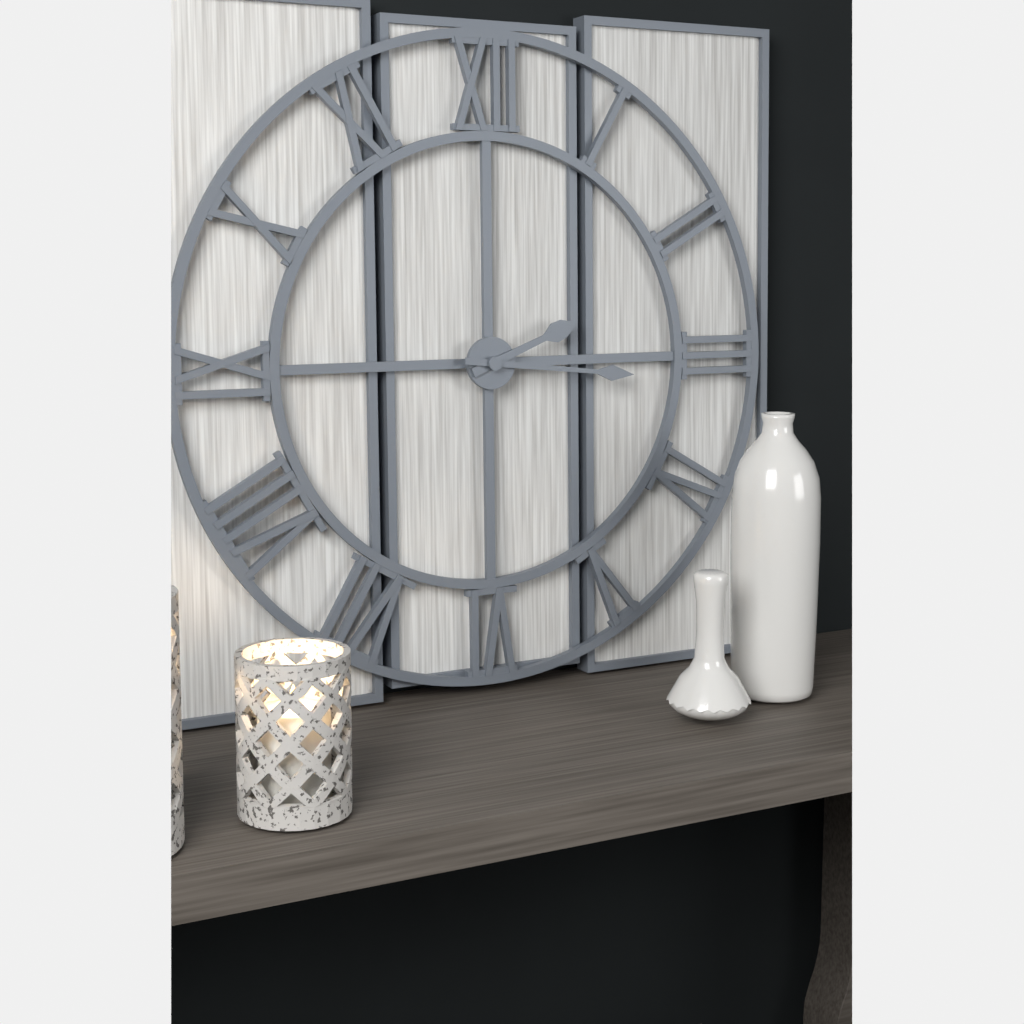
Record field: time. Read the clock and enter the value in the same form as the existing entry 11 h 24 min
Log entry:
2 h 16 min
